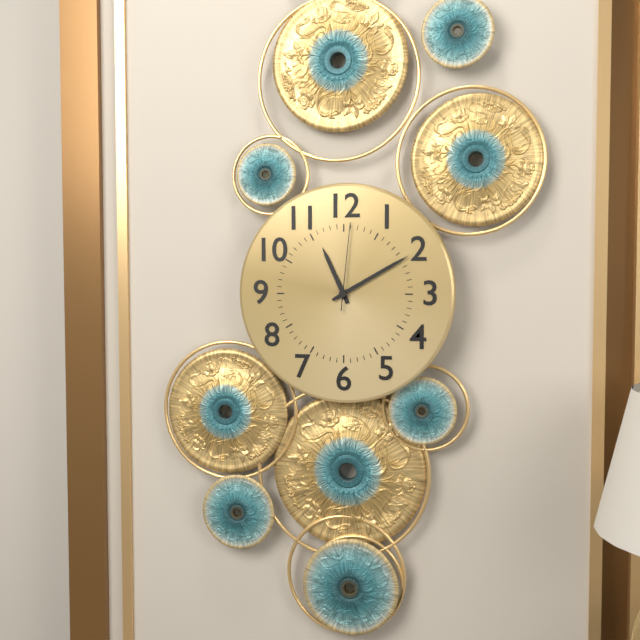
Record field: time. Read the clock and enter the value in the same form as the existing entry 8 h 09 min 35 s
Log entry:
11 h 10 min 01 s
